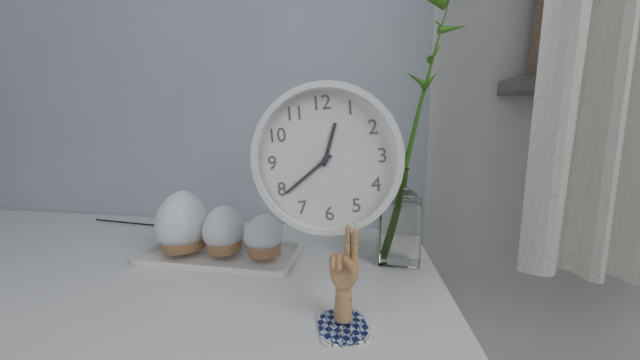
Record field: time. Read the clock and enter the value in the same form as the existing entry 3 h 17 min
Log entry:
12 h 39 min
